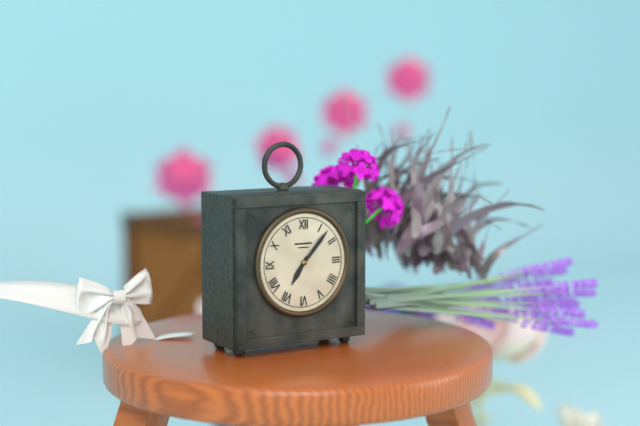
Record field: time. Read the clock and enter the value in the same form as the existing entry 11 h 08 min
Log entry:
7 h 07 min
